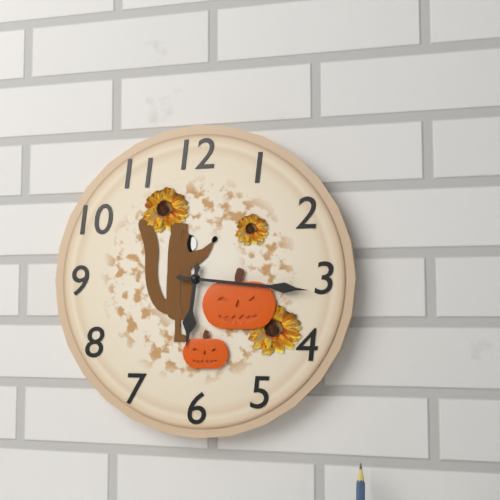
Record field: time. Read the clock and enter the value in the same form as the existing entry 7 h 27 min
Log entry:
6 h 16 min
